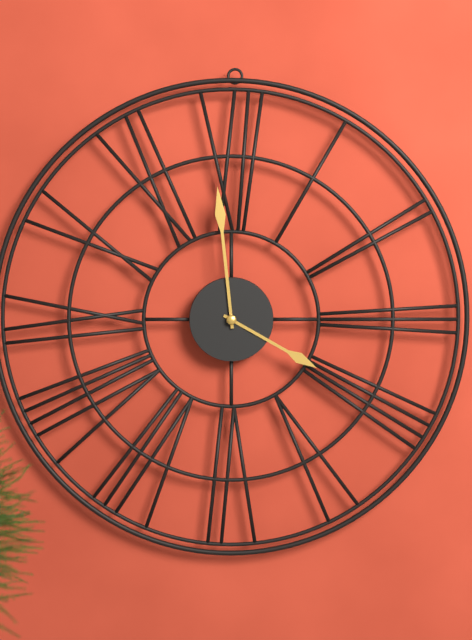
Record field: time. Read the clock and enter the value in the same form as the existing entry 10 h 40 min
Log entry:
3 h 59 min
